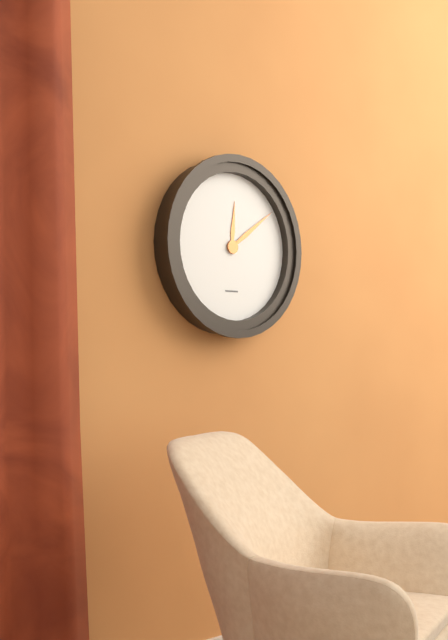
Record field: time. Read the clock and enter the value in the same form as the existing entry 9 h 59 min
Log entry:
12 h 09 min
